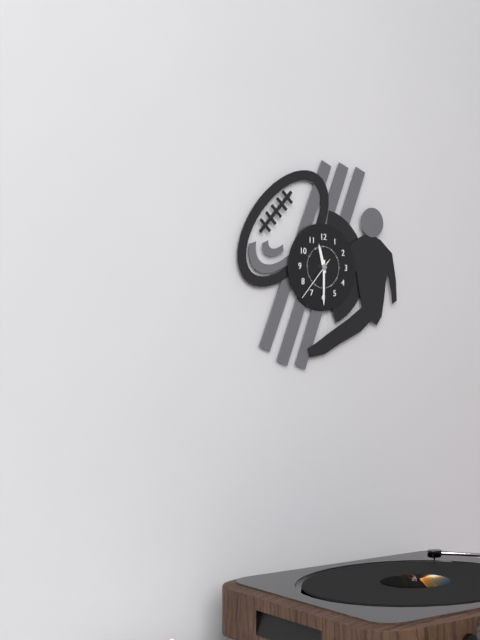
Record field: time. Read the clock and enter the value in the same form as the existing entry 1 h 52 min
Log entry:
11 h 30 min
